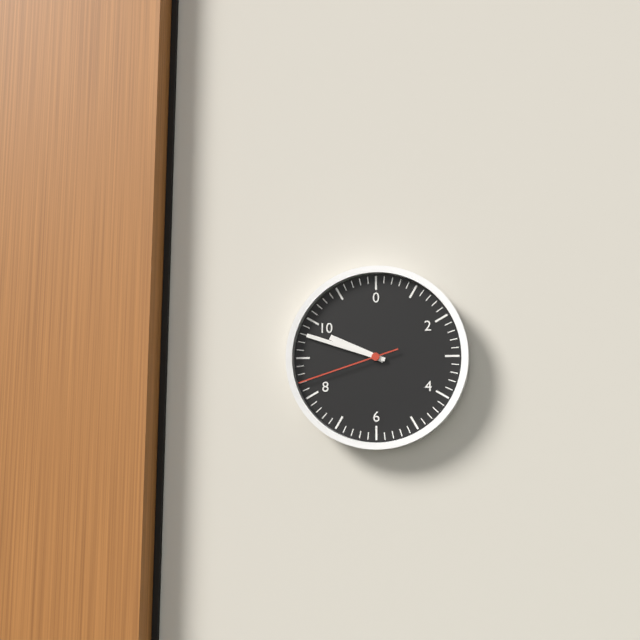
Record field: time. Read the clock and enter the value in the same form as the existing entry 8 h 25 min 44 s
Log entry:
9 h 48 min 42 s
